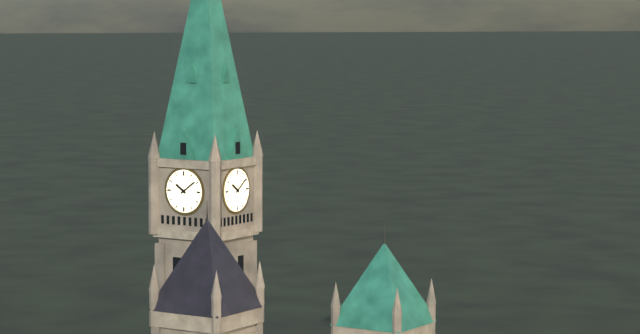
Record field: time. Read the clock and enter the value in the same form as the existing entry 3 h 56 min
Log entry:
10 h 09 min
